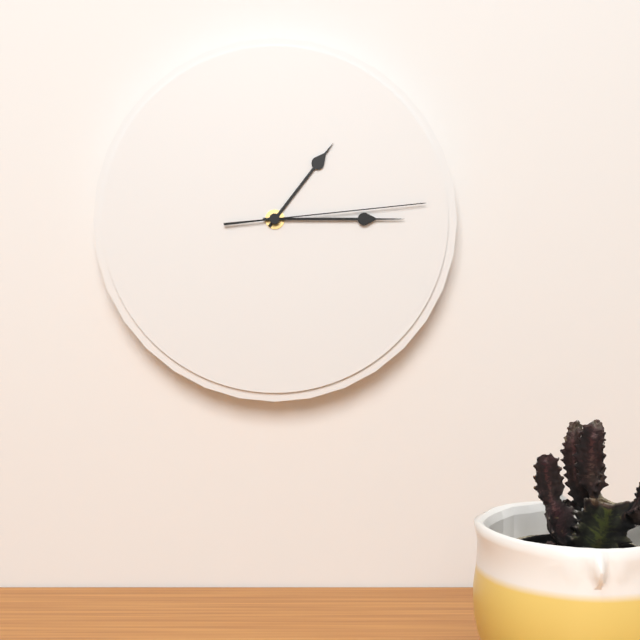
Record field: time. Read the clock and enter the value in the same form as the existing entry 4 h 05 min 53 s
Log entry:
1 h 15 min 14 s
